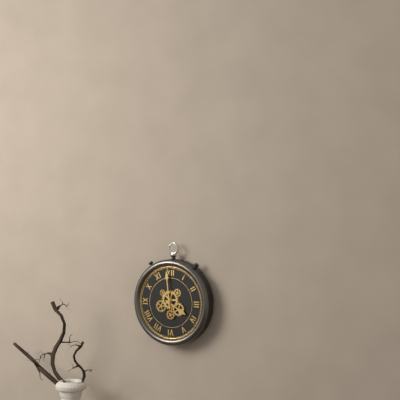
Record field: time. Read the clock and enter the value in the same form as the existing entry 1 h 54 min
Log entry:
3 h 59 min
